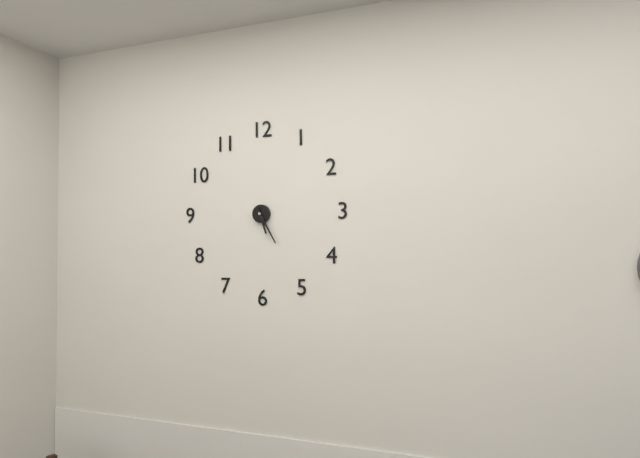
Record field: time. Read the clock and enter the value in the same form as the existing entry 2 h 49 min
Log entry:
5 h 25 min
